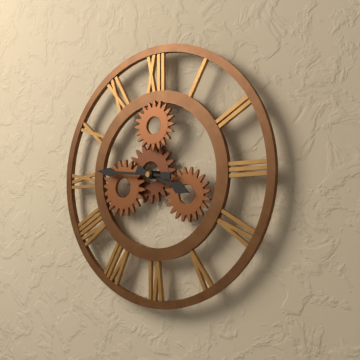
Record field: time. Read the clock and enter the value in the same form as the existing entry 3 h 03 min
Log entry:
3 h 46 min
